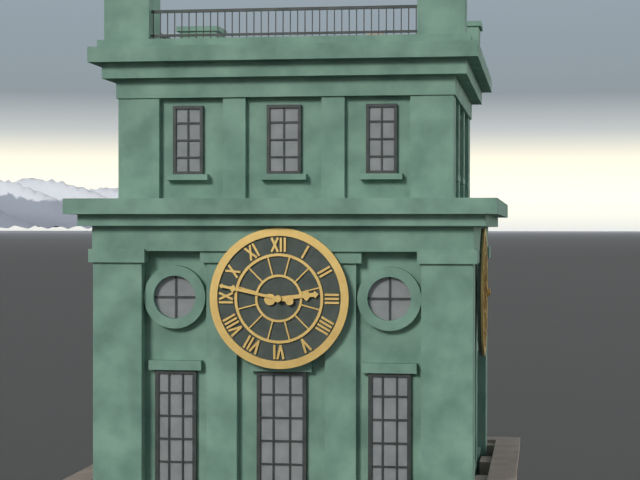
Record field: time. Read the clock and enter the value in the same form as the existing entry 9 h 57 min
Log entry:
2 h 47 min
